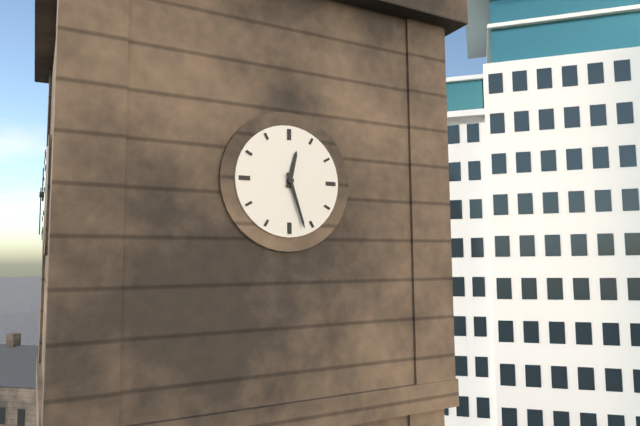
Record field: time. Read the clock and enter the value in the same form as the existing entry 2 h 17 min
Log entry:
12 h 27 min
